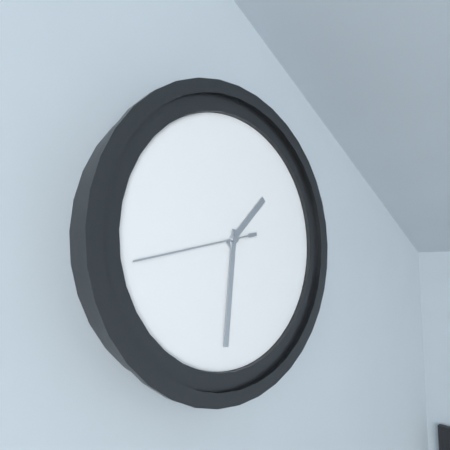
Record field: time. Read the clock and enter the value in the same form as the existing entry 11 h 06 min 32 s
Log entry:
1 h 31 min 43 s
